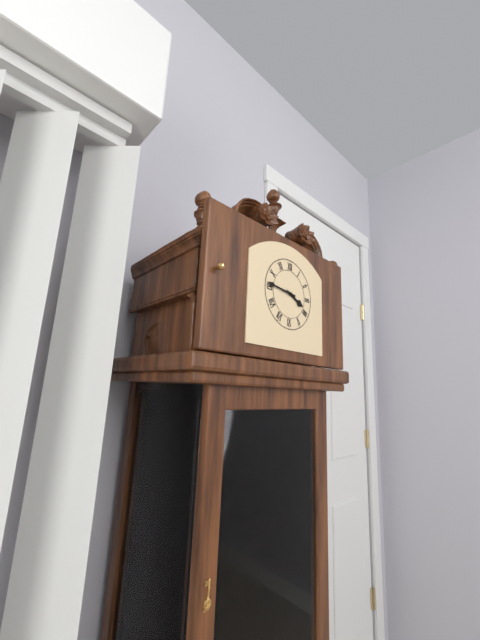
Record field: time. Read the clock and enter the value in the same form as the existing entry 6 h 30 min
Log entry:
3 h 46 min
